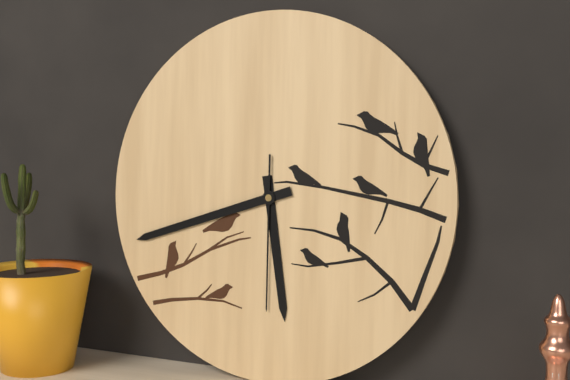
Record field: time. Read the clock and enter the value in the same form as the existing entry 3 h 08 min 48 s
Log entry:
5 h 42 min 30 s
